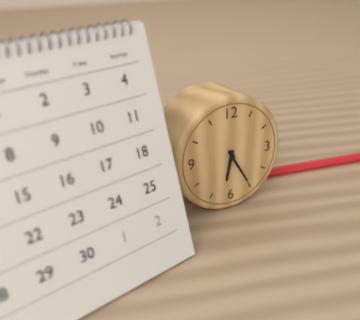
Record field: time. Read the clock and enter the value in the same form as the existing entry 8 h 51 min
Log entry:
6 h 25 min
